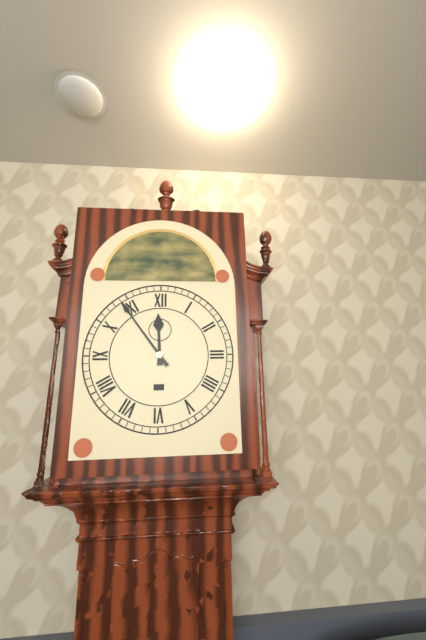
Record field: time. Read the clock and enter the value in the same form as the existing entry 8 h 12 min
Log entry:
11 h 54 min
